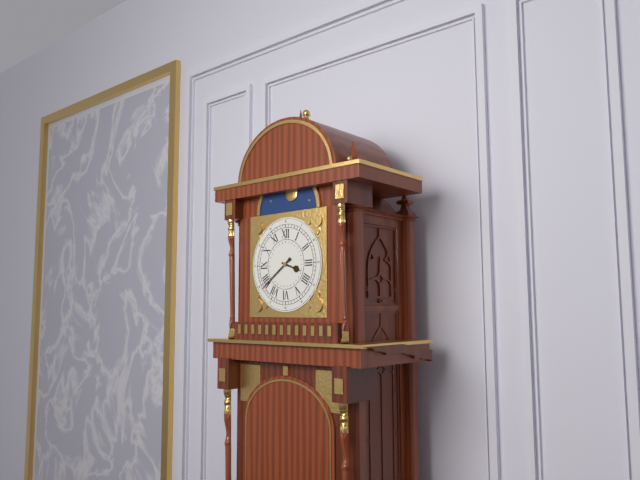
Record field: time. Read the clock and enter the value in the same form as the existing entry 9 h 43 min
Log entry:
3 h 39 min
